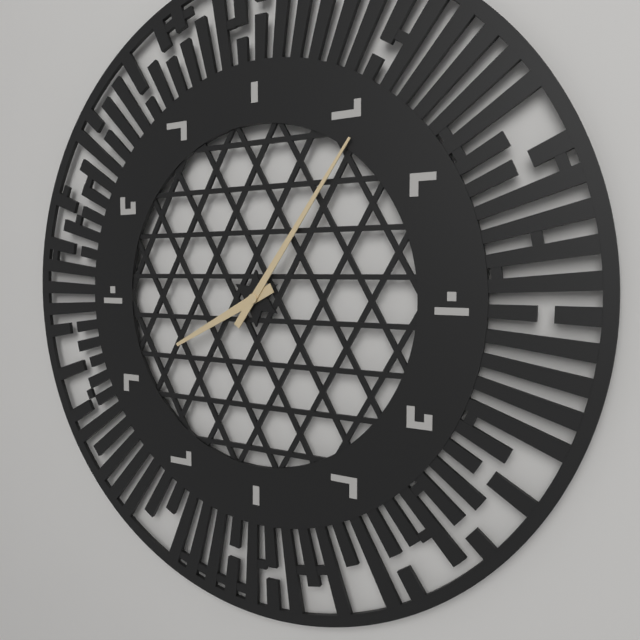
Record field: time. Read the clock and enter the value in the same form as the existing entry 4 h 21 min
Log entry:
8 h 06 min
